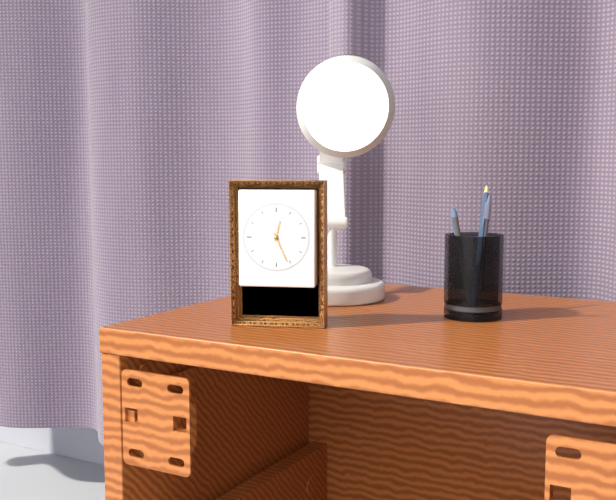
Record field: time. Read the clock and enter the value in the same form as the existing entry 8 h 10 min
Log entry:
12 h 26 min
